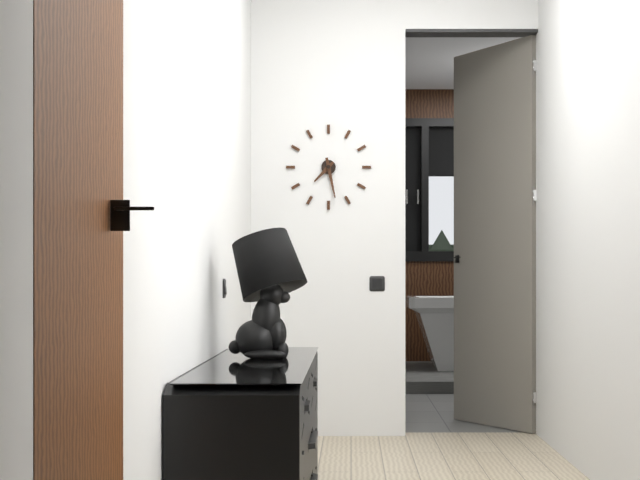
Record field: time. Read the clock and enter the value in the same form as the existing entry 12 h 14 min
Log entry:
7 h 28 min
